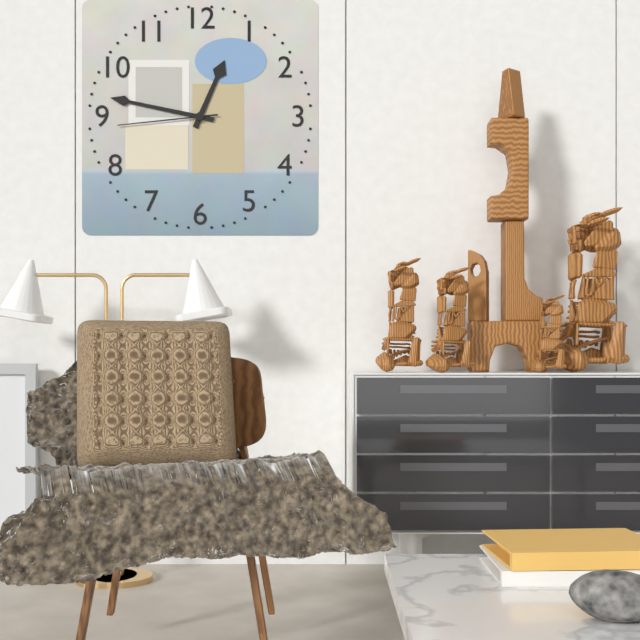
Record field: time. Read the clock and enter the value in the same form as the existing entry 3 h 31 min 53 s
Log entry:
12 h 47 min 44 s
